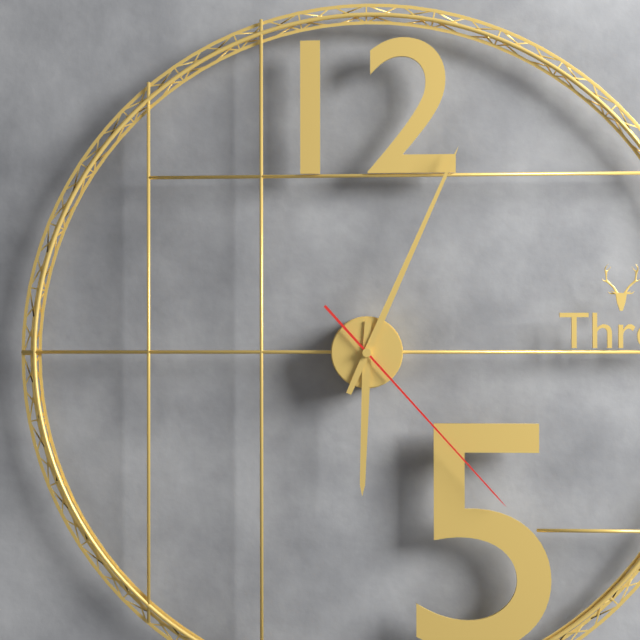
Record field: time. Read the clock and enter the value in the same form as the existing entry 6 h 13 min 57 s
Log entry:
6 h 04 min 23 s
